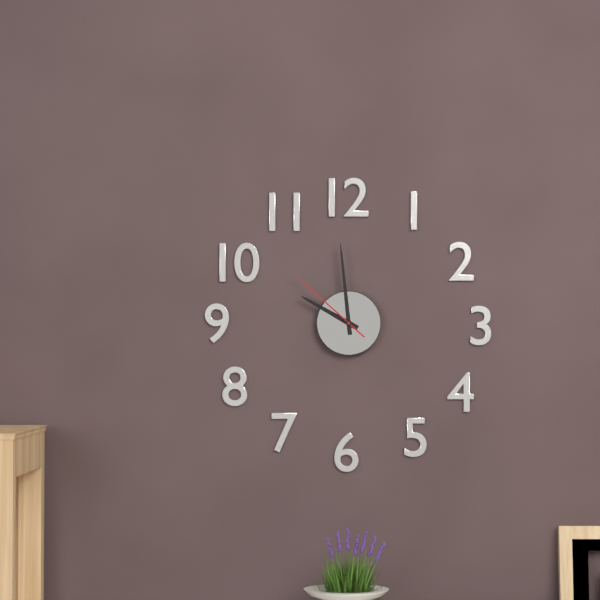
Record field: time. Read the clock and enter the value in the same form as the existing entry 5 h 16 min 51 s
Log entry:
9 h 59 min 52 s
